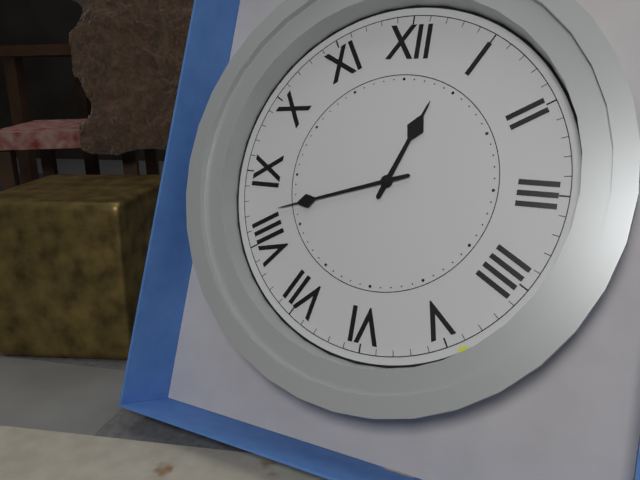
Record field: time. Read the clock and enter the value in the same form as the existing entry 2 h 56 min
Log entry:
12 h 42 min
